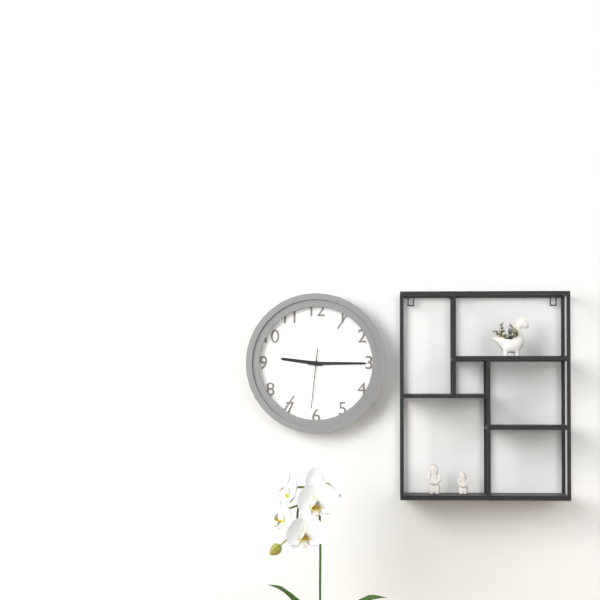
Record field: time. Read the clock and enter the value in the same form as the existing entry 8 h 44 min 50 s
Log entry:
9 h 15 min 31 s
